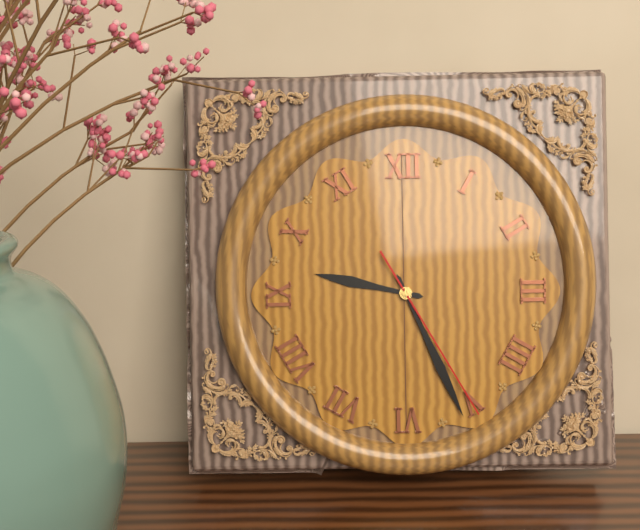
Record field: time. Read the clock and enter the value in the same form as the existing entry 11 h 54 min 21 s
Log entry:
9 h 26 min 25 s
